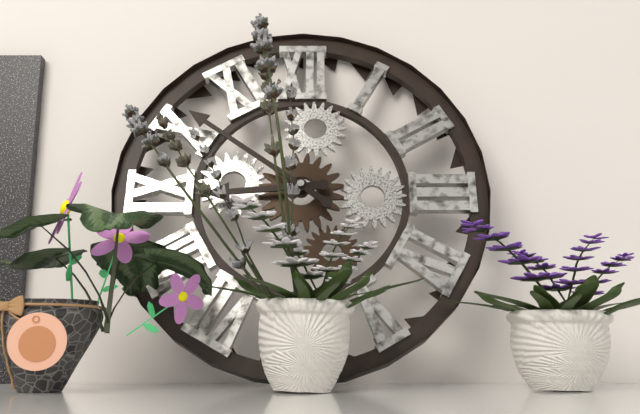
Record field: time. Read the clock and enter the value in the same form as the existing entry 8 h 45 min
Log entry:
8 h 51 min
